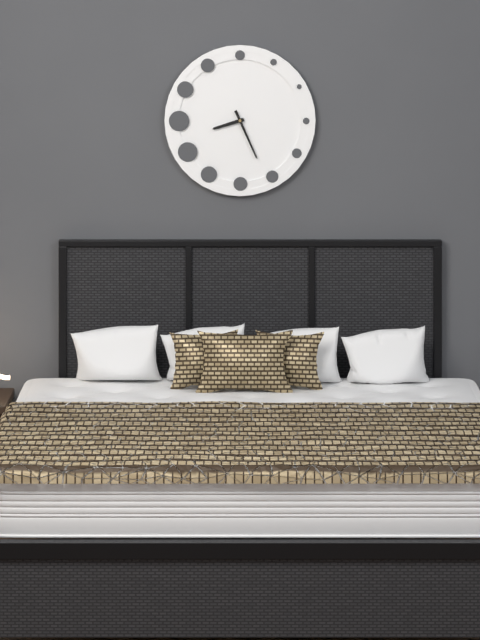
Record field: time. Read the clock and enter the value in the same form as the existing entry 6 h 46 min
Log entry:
8 h 26 min
